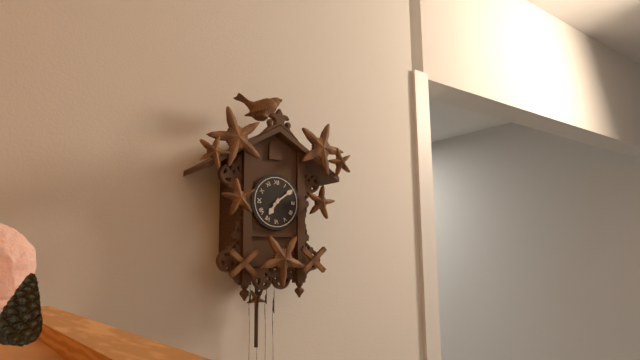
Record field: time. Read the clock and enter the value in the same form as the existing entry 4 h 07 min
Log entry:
7 h 09 min
